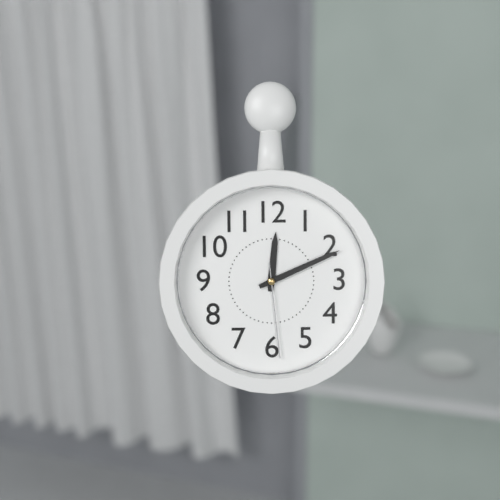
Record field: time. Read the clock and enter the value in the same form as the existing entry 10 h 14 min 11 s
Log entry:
12 h 11 min 29 s
